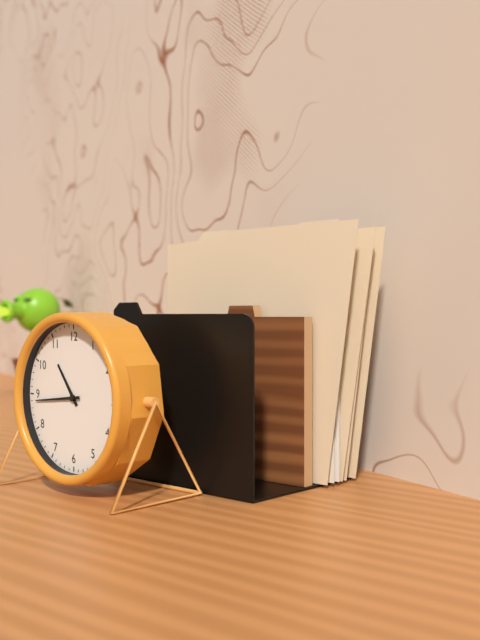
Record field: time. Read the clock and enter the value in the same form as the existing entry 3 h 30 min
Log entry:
10 h 44 min
